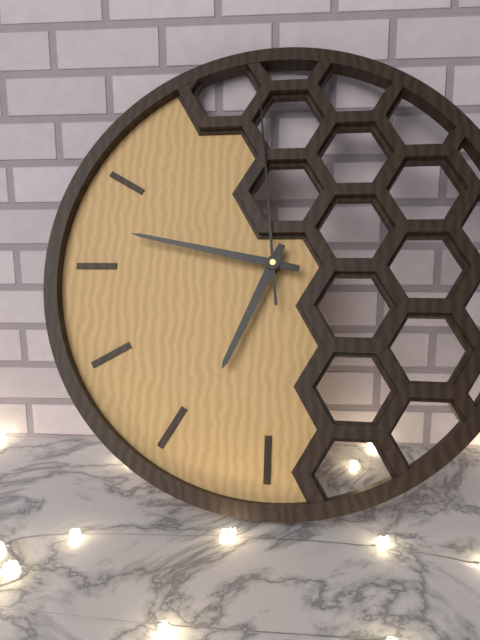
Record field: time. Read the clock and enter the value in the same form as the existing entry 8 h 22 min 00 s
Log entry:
6 h 47 min 59 s
